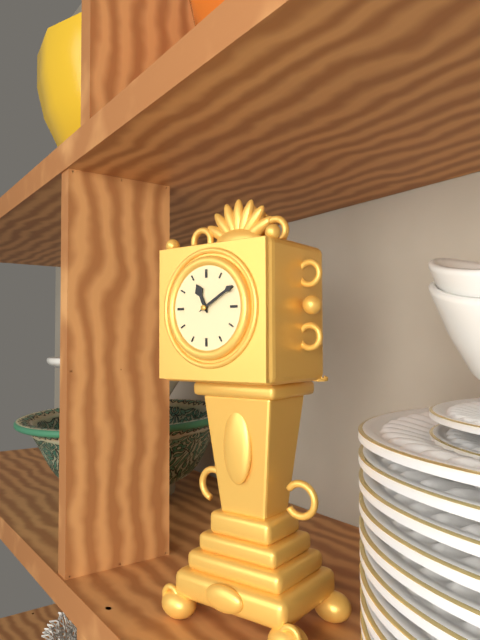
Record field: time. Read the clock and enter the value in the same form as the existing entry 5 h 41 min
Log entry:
11 h 10 min
